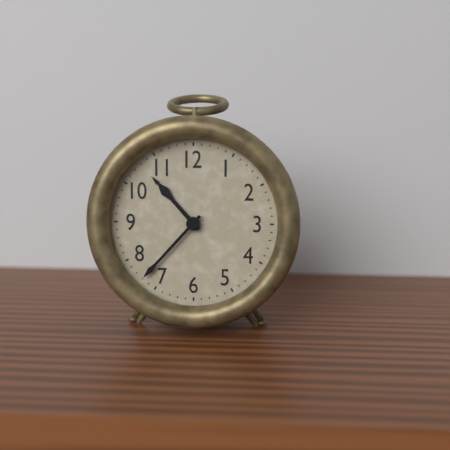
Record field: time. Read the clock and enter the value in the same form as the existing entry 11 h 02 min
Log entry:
10 h 37 min
